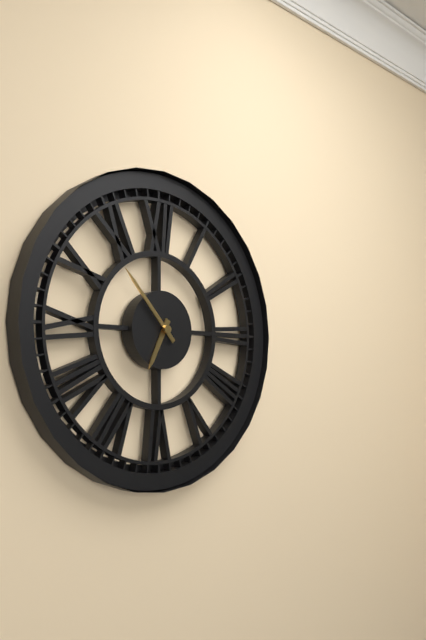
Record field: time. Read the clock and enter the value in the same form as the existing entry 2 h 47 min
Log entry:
6 h 53 min
